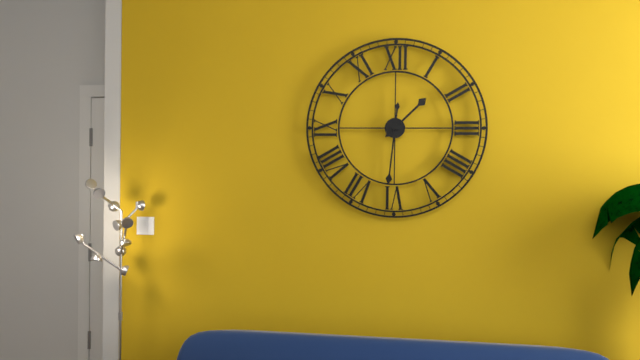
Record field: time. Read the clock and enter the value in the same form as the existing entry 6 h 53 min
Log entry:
1 h 31 min
